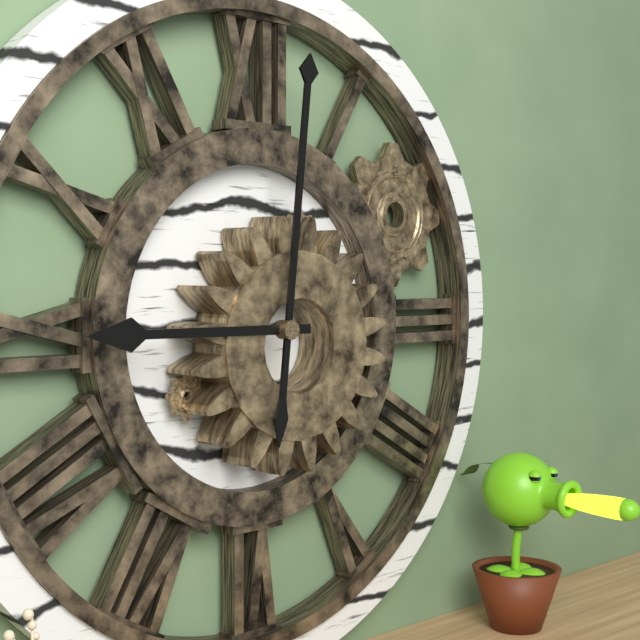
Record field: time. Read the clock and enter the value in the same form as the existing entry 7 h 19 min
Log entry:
9 h 01 min
